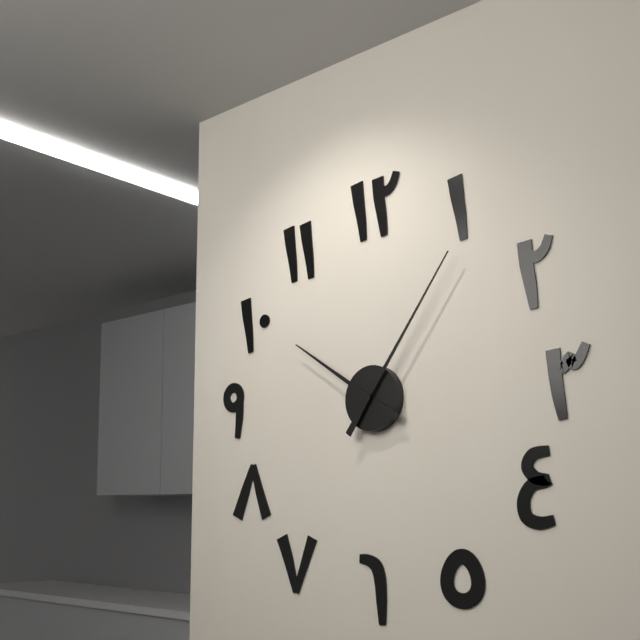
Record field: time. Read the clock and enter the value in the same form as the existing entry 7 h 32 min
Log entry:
10 h 06 min
